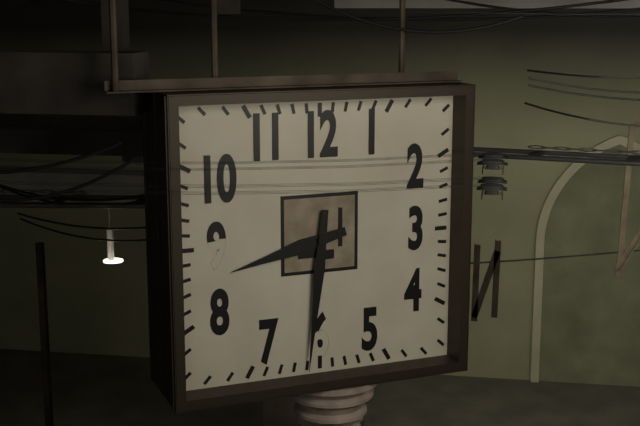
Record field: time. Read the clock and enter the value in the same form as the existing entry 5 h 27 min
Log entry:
8 h 31 min
